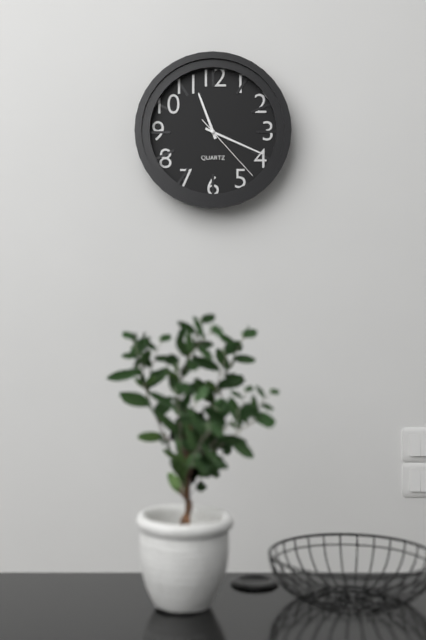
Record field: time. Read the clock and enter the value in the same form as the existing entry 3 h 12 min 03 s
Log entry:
11 h 19 min 23 s
